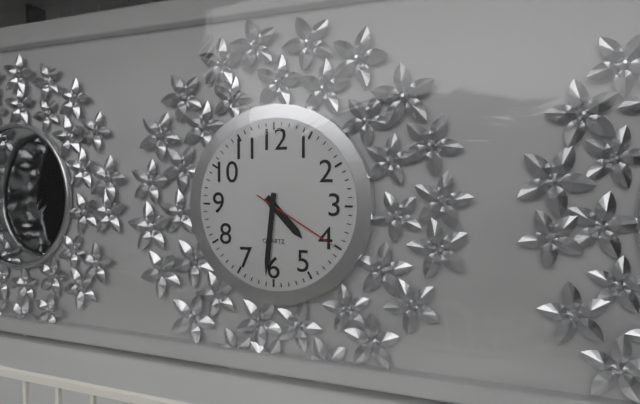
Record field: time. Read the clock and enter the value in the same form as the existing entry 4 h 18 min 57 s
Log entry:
4 h 31 min 20 s
